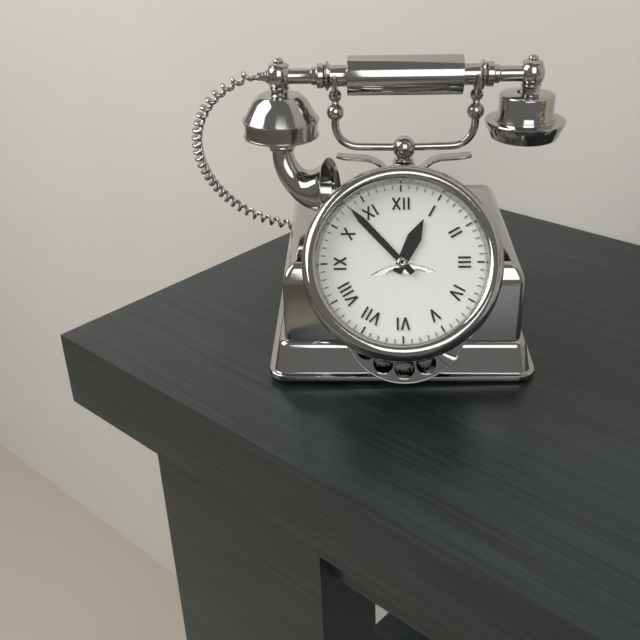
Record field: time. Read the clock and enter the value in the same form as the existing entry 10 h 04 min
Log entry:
12 h 53 min
